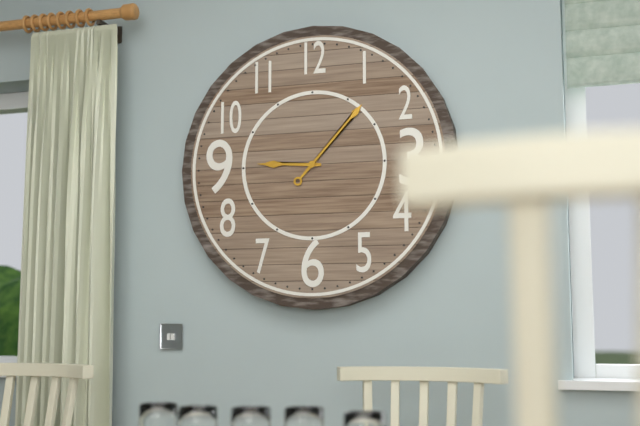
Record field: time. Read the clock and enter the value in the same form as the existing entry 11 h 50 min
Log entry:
9 h 07 min
